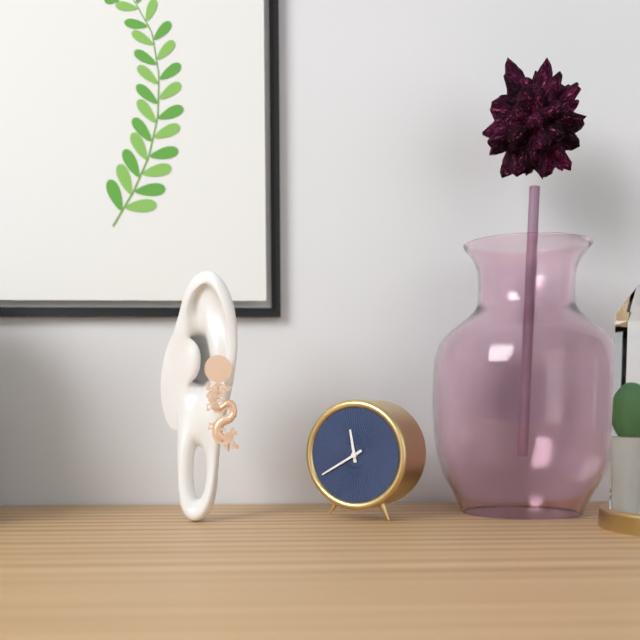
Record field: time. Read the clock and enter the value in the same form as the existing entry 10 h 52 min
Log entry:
11 h 40 min
